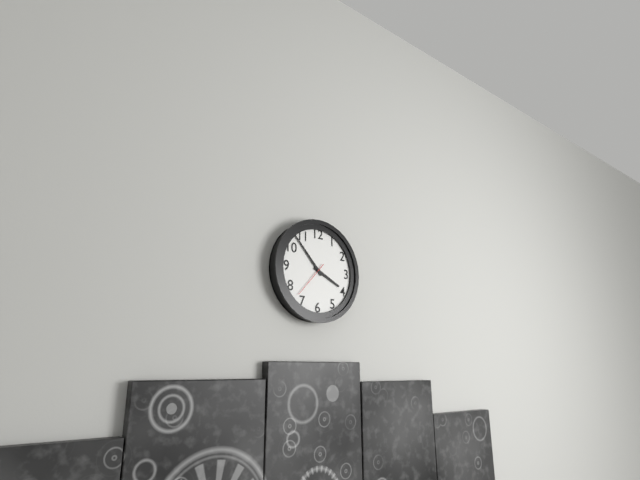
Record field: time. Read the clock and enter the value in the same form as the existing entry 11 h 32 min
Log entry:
3 h 53 min
